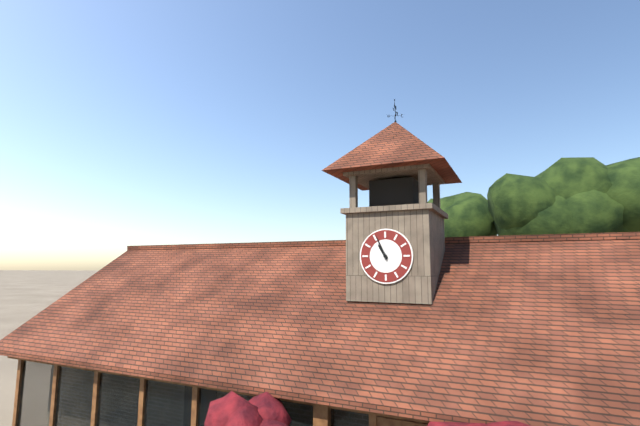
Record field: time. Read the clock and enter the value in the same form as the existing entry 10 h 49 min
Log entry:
10 h 56 min
